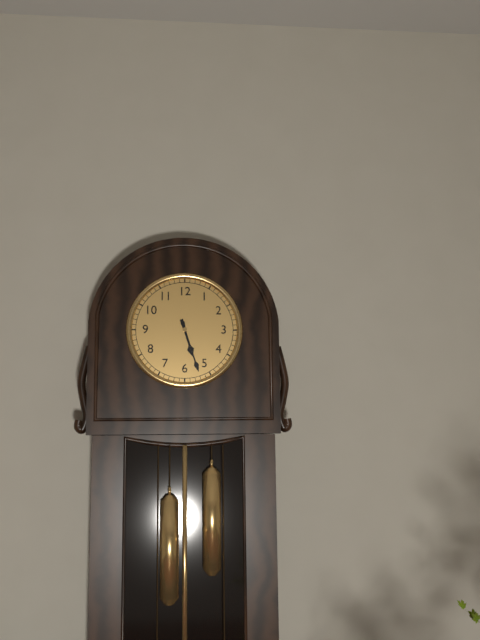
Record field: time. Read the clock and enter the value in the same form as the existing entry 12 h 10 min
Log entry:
5 h 27 min
